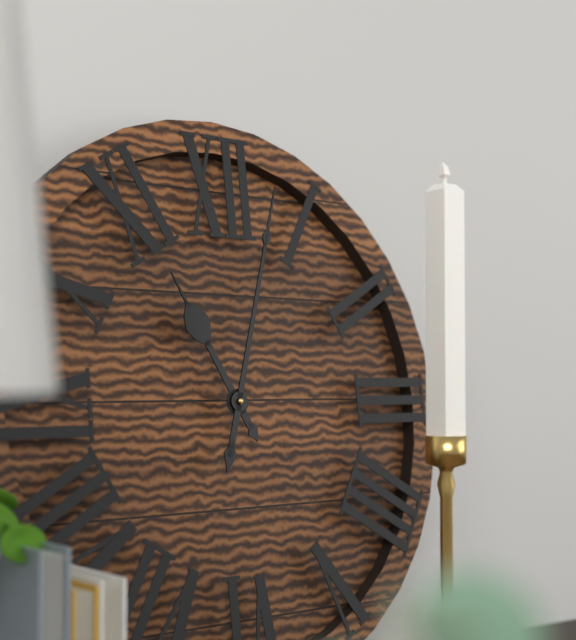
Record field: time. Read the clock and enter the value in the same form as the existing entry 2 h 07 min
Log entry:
11 h 03 min
